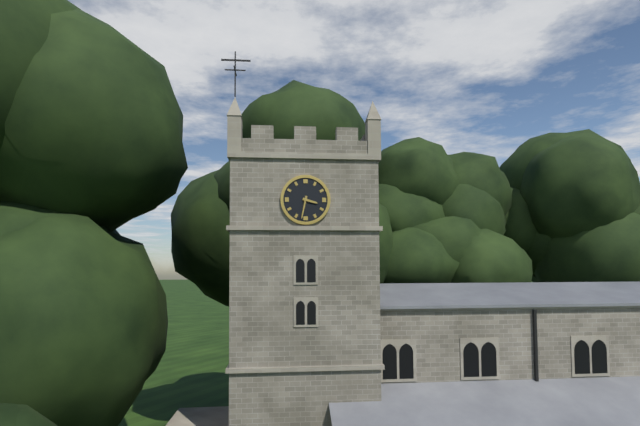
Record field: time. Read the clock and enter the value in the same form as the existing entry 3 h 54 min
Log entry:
3 h 32 min
